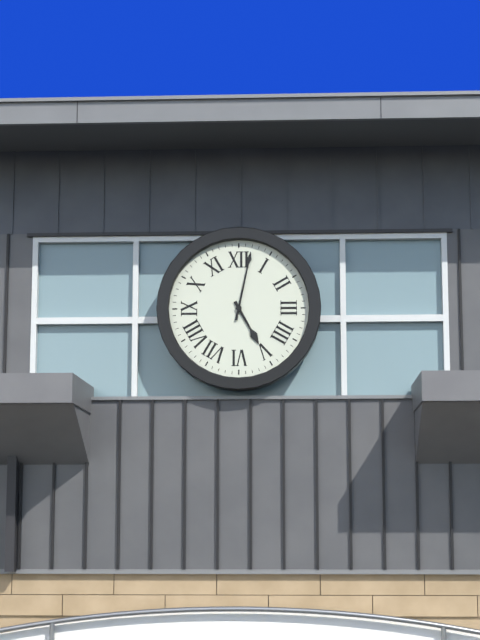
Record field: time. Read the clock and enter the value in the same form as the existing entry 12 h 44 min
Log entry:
5 h 02 min
